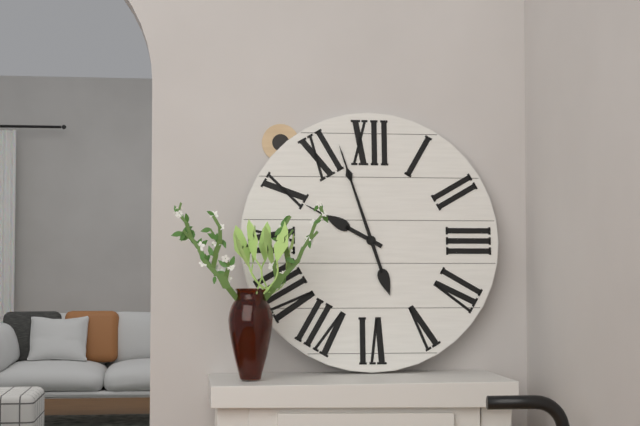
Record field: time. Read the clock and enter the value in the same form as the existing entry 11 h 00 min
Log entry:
9 h 57 min
